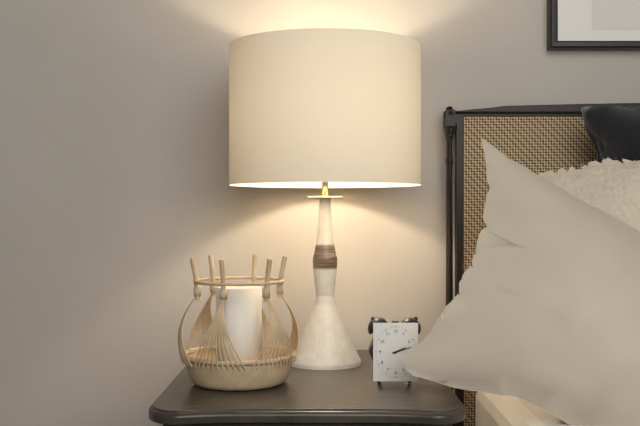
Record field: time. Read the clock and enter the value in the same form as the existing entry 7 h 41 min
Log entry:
2 h 12 min
